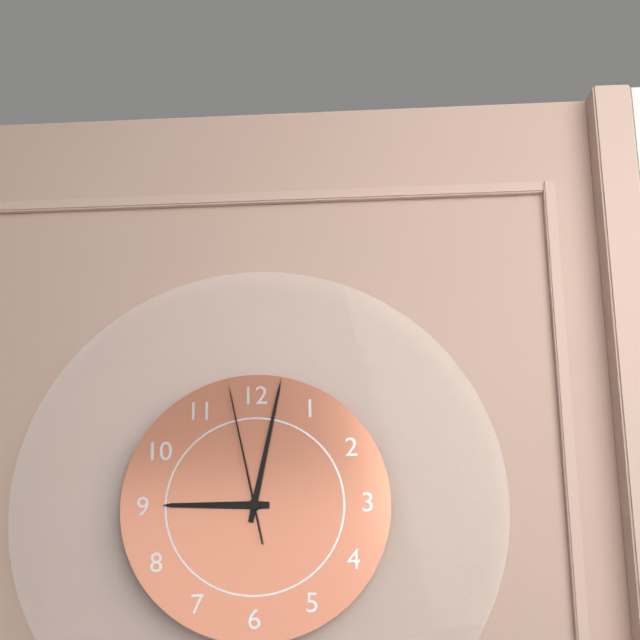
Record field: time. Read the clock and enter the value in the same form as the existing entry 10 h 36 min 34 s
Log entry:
9 h 02 min 58 s
